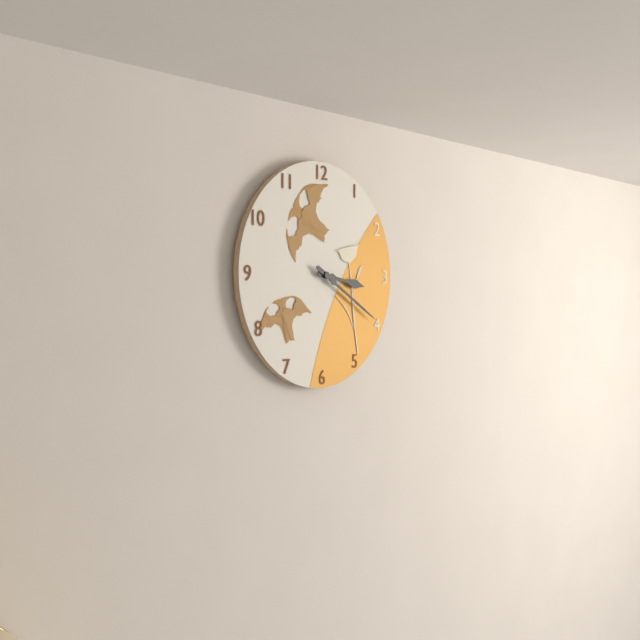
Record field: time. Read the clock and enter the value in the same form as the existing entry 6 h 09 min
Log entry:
3 h 20 min
